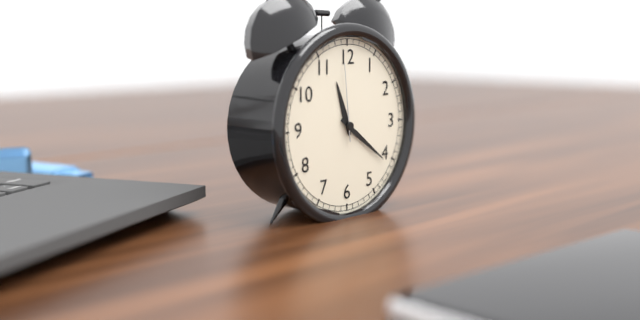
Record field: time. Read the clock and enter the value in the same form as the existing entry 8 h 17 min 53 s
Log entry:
11 h 21 min 59 s
